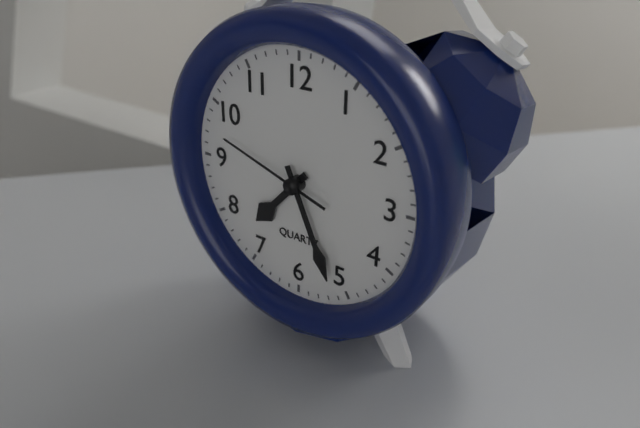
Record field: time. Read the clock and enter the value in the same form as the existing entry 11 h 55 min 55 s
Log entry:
7 h 26 min 48 s
